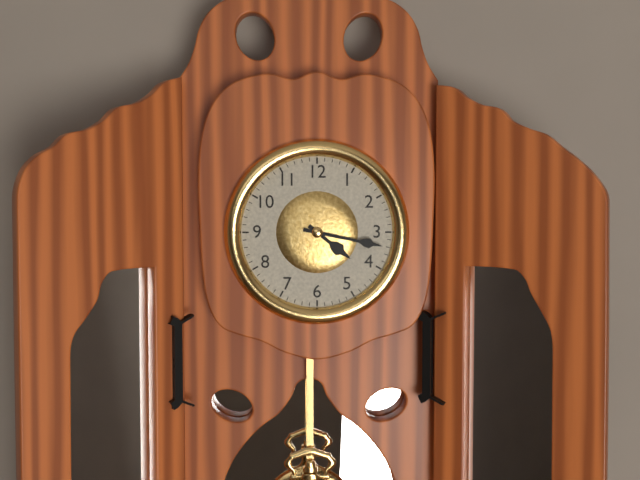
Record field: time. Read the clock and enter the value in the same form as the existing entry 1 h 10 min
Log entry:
4 h 17 min
